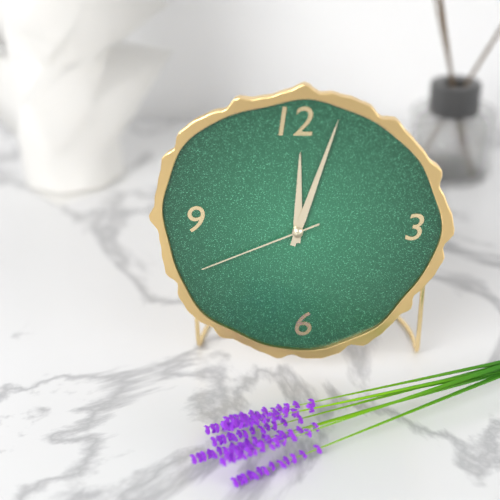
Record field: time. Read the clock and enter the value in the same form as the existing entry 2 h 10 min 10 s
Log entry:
12 h 03 min 41 s
